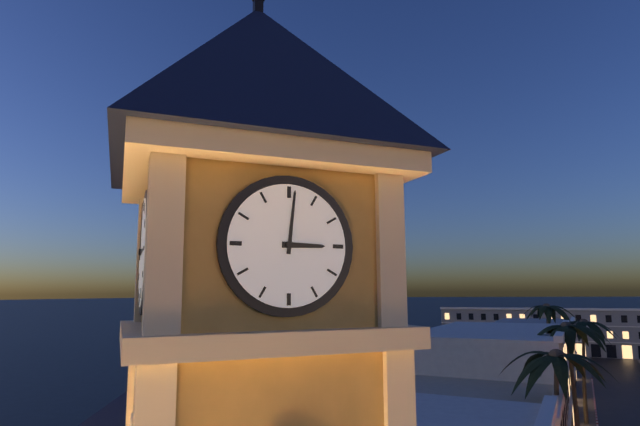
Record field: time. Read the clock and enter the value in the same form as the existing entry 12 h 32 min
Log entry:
3 h 01 min
